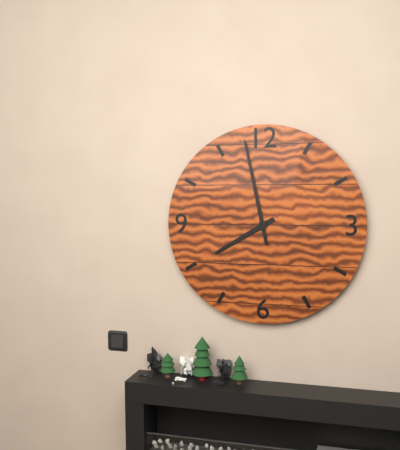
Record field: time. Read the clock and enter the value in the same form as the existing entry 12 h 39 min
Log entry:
7 h 58 min
